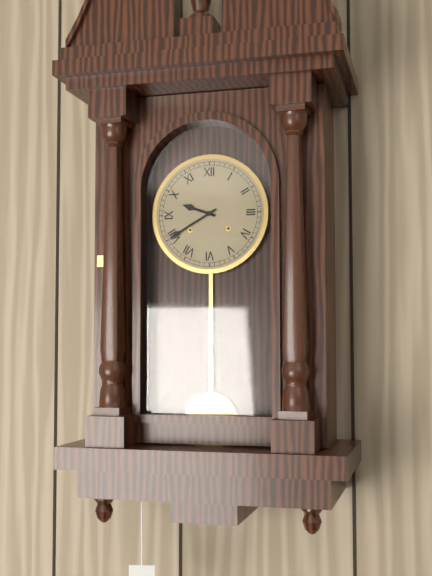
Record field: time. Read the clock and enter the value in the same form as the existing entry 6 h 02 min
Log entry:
9 h 40 min
